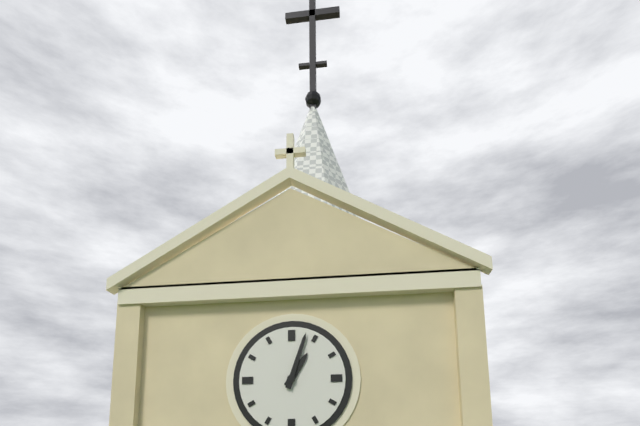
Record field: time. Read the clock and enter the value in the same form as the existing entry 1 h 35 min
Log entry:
1 h 03 min
